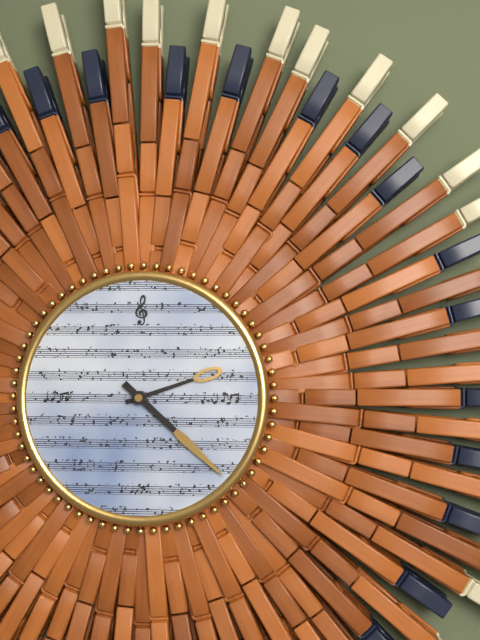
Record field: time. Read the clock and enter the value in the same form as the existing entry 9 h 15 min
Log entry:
2 h 22 min
